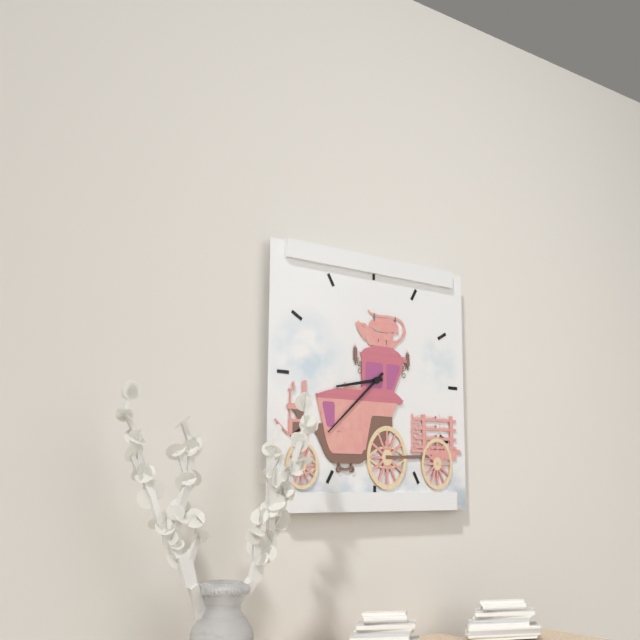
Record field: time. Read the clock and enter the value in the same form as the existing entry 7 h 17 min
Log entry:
8 h 38 min
